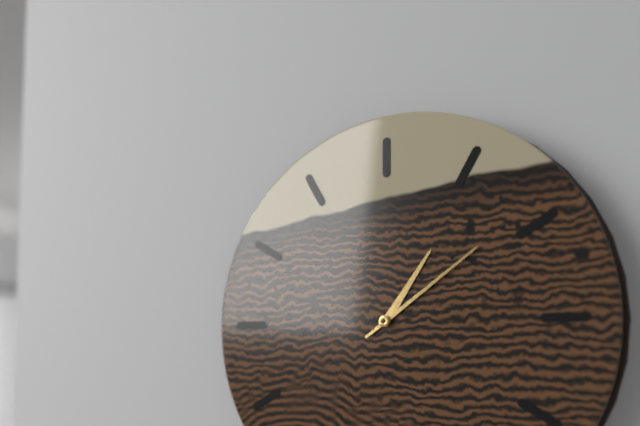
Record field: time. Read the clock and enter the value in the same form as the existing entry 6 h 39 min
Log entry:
1 h 09 min
